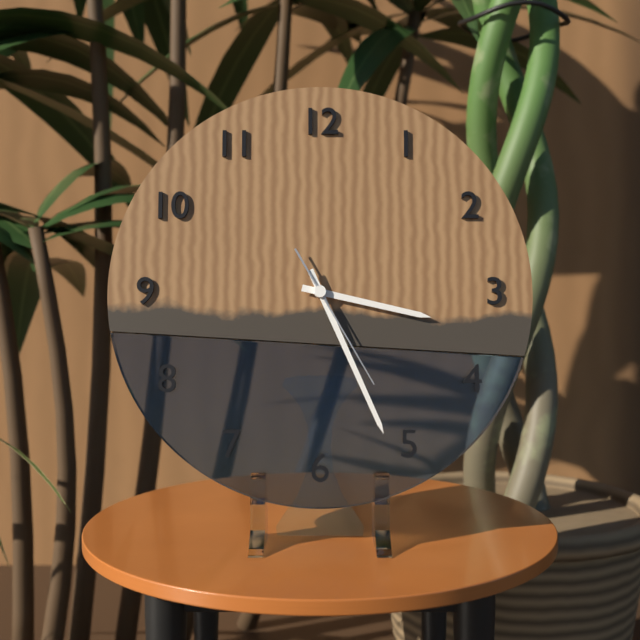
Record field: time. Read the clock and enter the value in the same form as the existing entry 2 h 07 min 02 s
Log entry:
3 h 26 min 25 s
